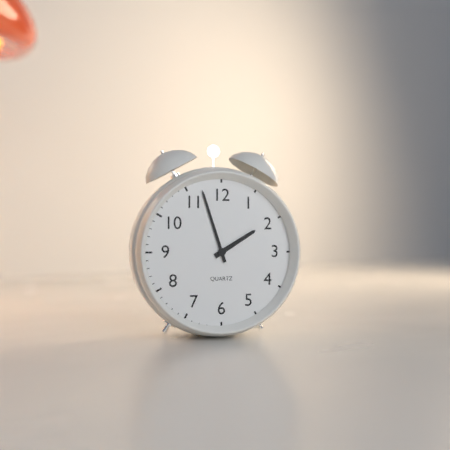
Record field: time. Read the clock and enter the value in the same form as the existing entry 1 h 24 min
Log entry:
1 h 57 min
